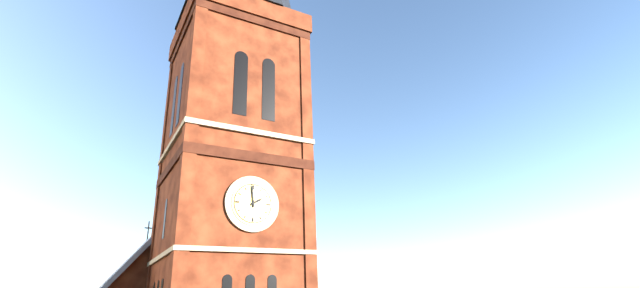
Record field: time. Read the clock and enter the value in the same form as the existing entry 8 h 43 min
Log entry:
1 h 59 min
